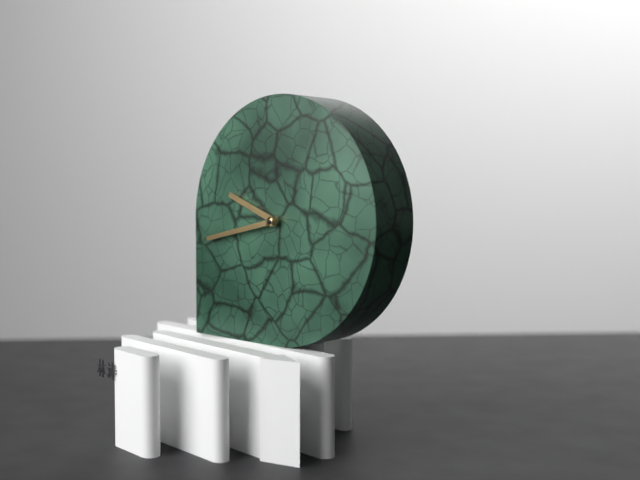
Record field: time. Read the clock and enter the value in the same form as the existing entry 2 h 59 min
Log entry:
9 h 43 min
